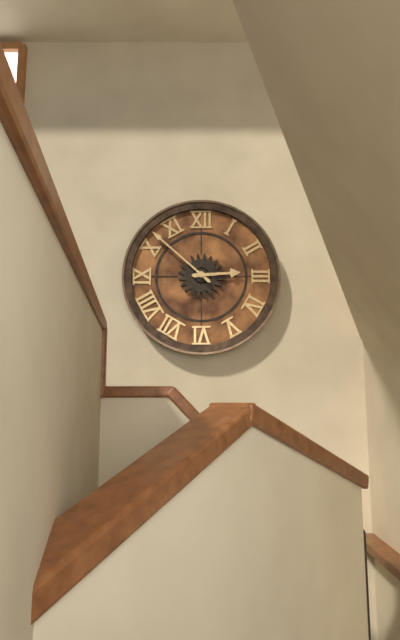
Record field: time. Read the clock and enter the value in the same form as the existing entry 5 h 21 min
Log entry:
2 h 52 min
